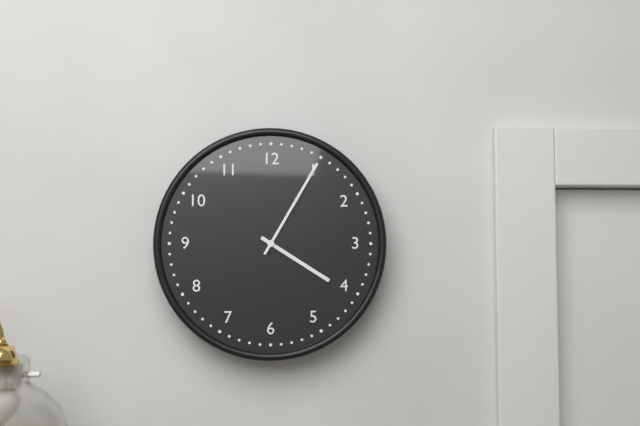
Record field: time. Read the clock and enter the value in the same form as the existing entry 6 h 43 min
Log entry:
4 h 05 min
